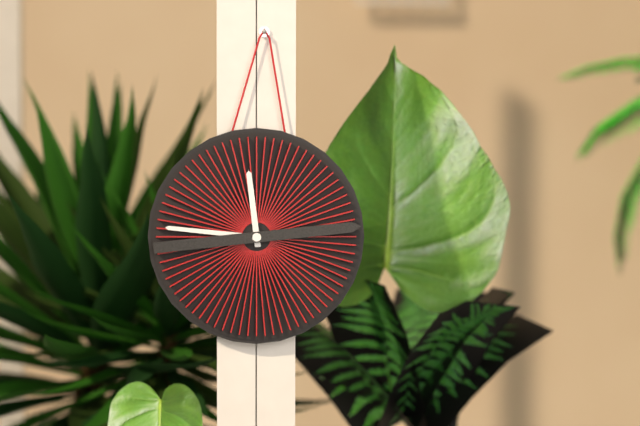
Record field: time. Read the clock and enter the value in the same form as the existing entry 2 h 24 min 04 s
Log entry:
11 h 46 min 14 s
